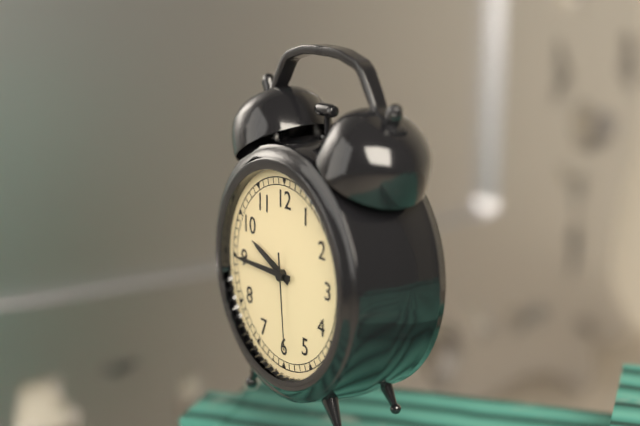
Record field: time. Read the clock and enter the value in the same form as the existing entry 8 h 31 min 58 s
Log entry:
9 h 45 min 29 s
